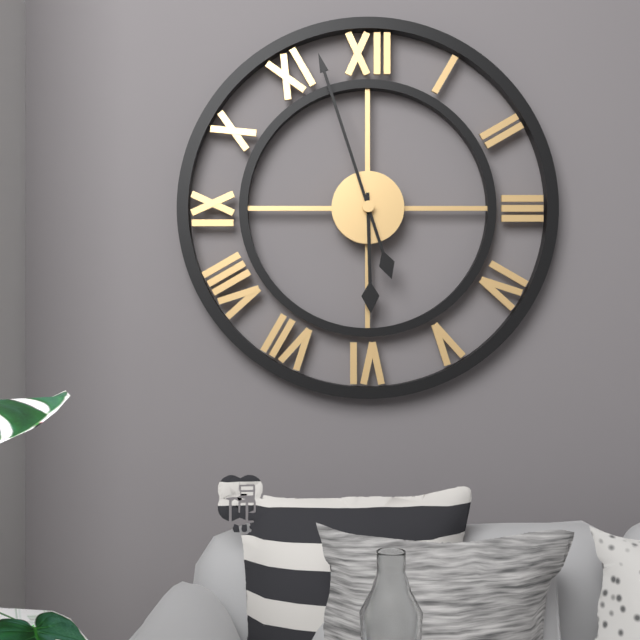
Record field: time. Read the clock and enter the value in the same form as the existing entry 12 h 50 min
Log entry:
5 h 57 min
